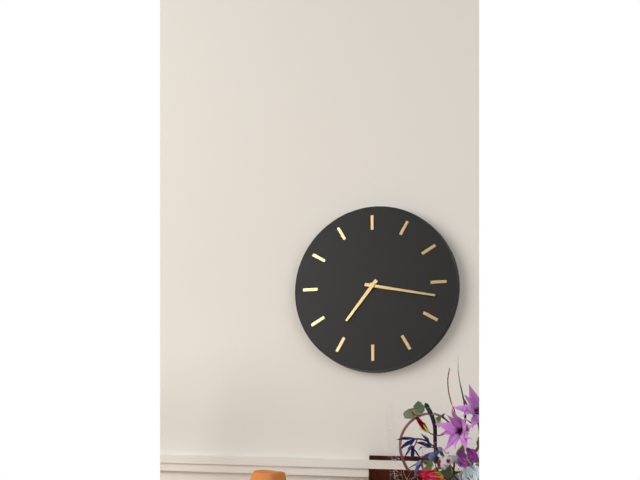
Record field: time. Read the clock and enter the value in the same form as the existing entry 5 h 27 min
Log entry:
7 h 17 min
